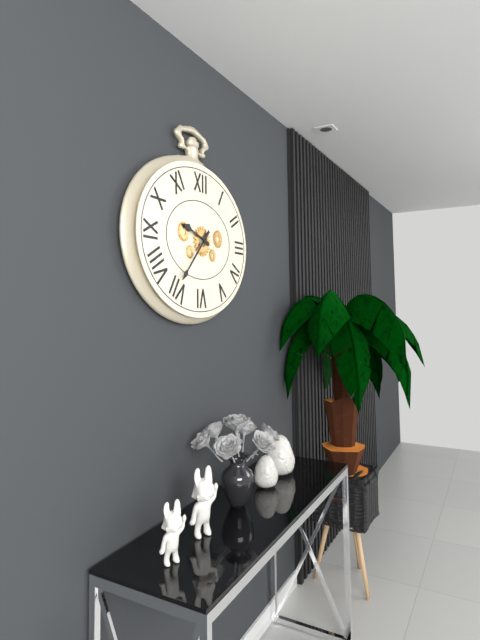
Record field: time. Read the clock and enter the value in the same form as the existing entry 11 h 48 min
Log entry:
9 h 37 min
